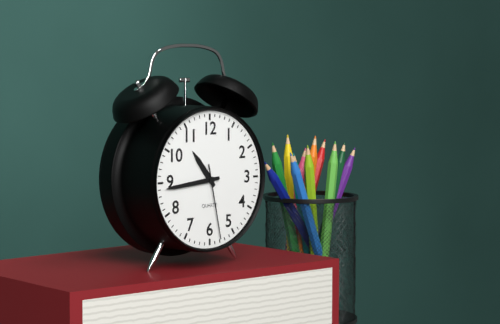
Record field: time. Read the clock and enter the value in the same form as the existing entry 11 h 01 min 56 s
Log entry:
10 h 44 min 28 s
